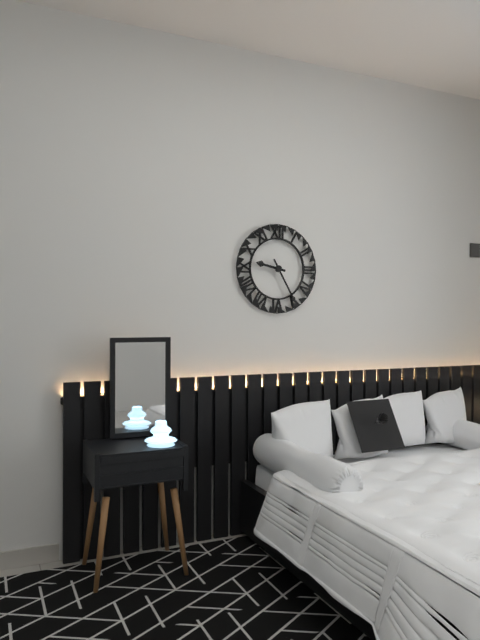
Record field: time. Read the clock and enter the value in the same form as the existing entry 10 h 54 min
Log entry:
9 h 25 min
